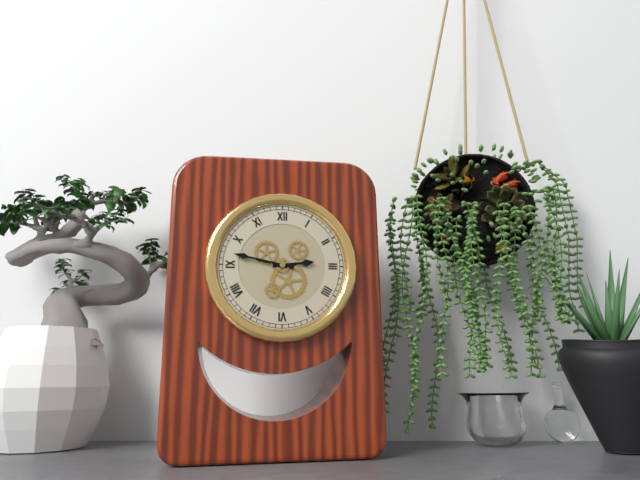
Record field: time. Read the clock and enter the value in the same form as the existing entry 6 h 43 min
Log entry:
2 h 47 min
